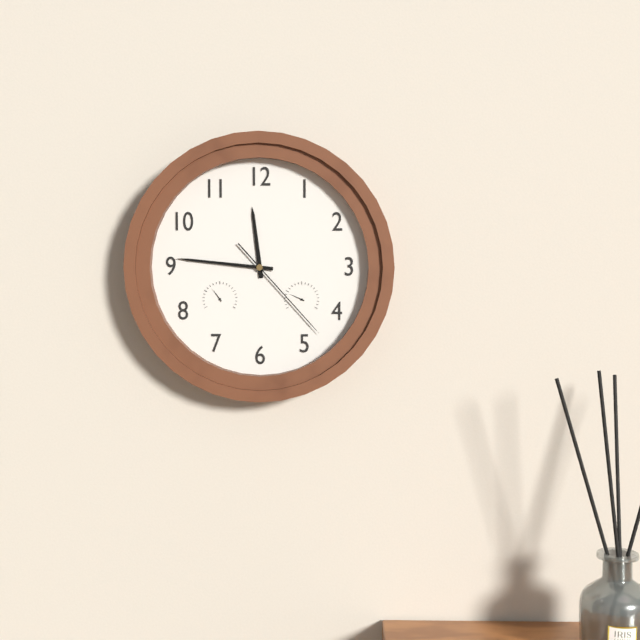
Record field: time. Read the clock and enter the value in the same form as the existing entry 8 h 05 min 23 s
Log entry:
11 h 46 min 23 s
